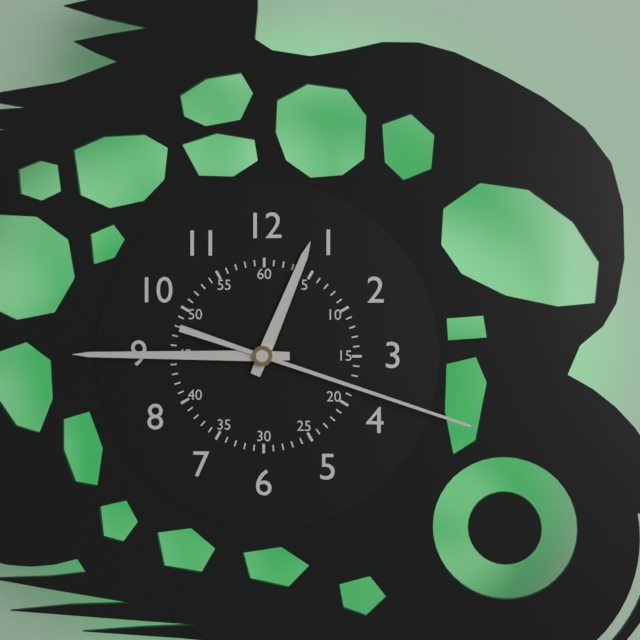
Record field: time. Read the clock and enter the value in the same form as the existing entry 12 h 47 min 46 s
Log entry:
12 h 45 min 18 s
